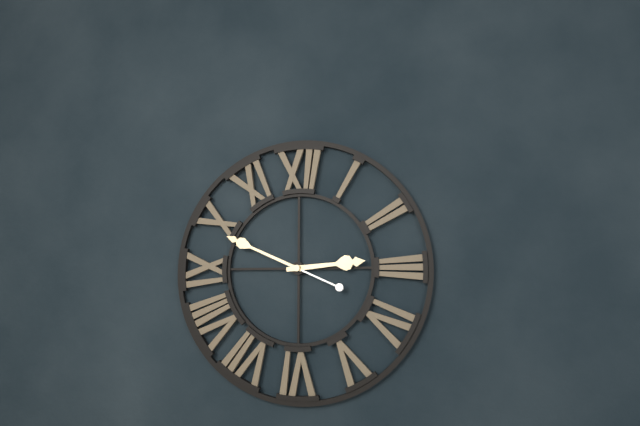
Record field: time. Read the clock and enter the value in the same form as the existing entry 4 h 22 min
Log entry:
2 h 49 min
